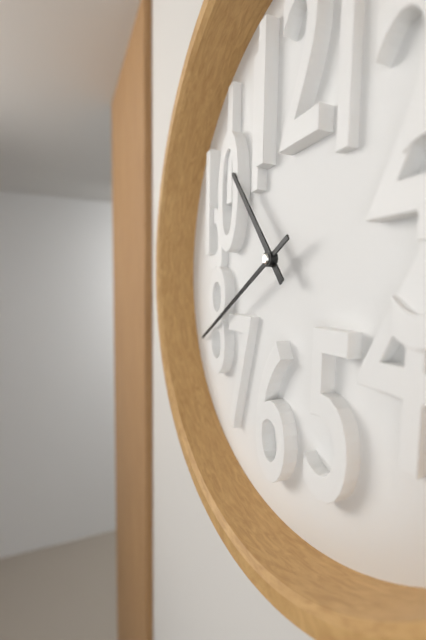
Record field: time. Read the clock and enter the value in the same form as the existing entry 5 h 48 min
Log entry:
10 h 40 min
